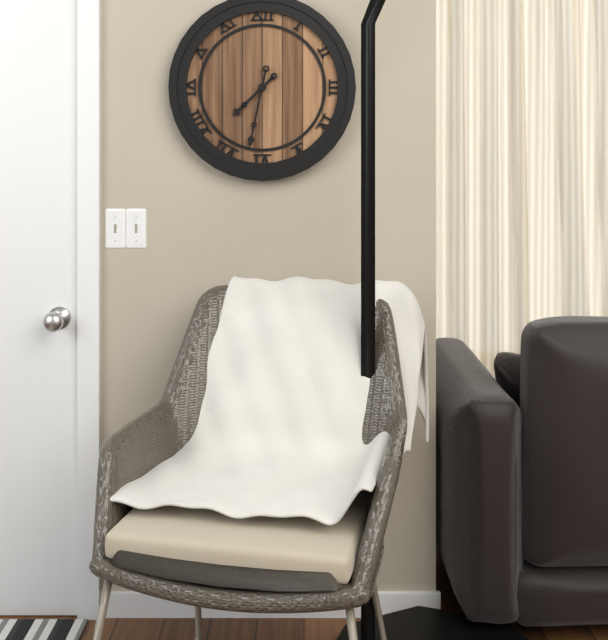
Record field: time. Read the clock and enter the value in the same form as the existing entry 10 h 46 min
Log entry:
7 h 32 min
